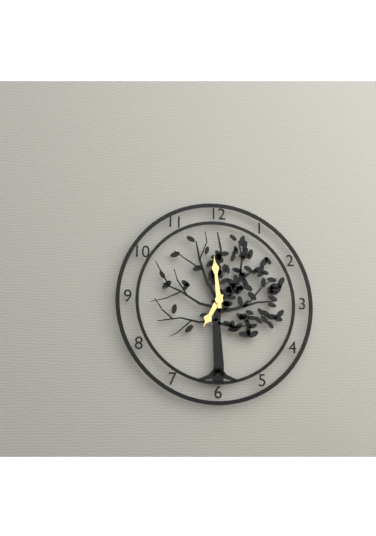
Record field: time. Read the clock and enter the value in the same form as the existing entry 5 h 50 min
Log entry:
6 h 59 min
